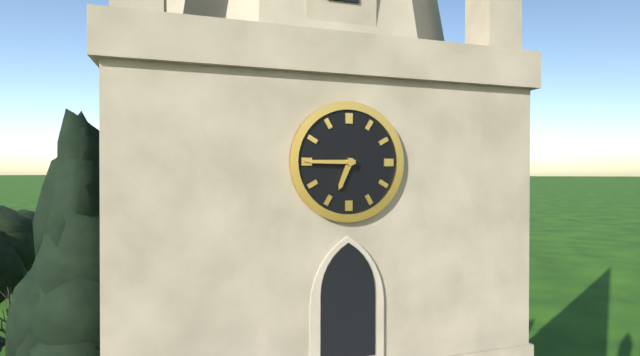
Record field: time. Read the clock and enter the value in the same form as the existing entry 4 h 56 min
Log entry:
6 h 45 min
